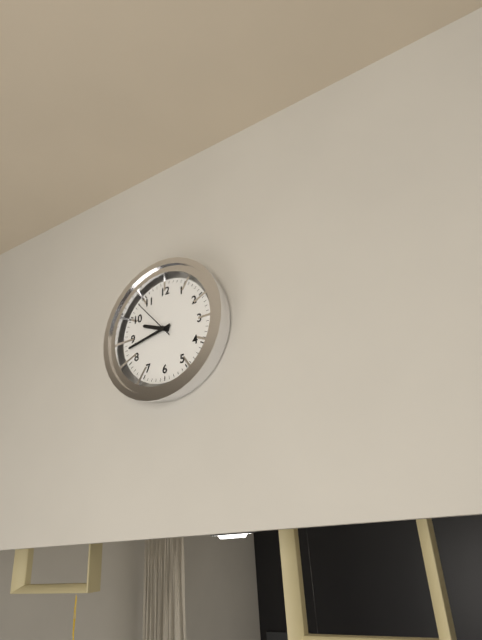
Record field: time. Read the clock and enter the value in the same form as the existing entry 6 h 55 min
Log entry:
9 h 43 min
